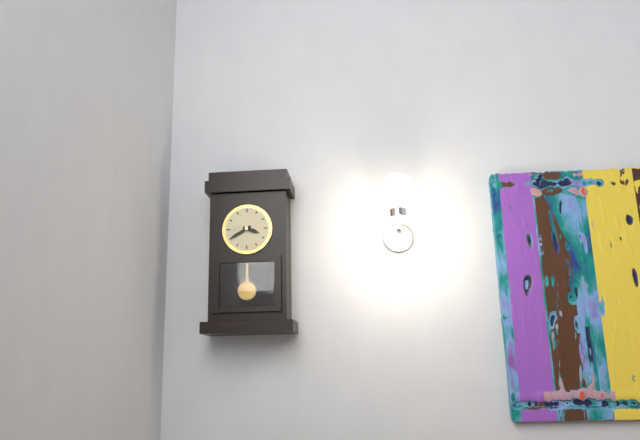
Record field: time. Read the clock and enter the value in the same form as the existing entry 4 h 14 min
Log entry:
3 h 40 min
